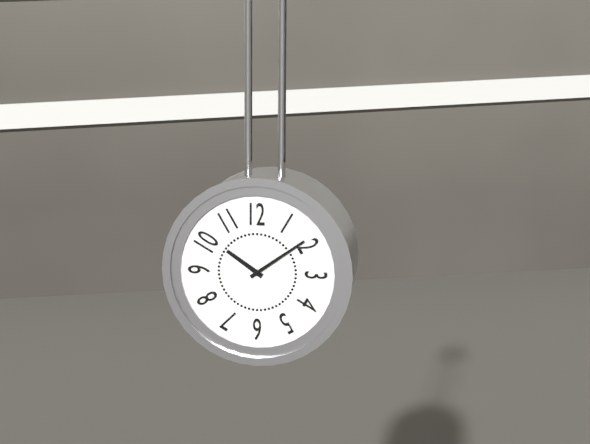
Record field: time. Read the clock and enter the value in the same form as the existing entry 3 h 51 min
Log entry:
10 h 09 min
